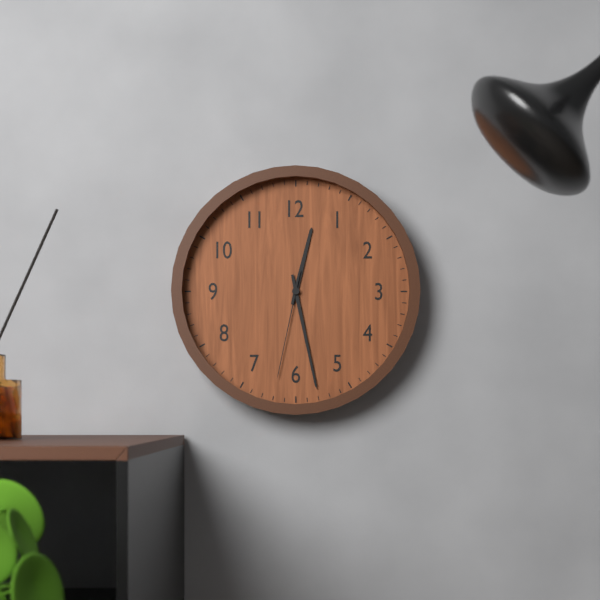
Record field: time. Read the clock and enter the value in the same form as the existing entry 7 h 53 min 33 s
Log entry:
12 h 28 min 32 s
